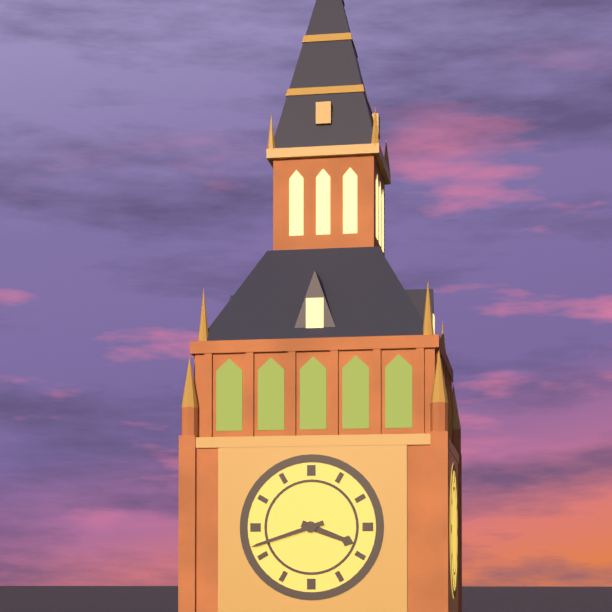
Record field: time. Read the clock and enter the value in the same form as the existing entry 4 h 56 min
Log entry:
3 h 42 min
